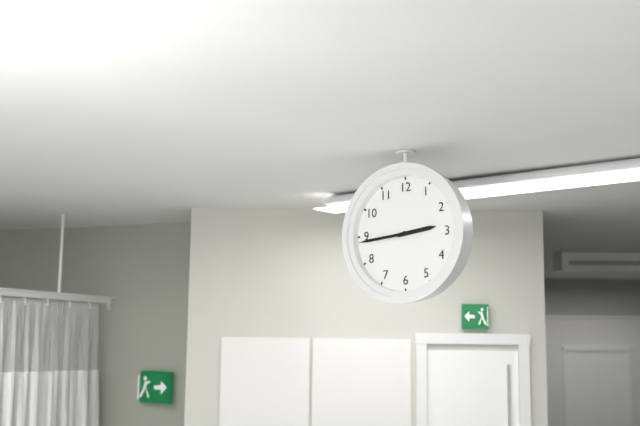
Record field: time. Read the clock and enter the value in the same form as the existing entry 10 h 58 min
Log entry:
2 h 44 min
